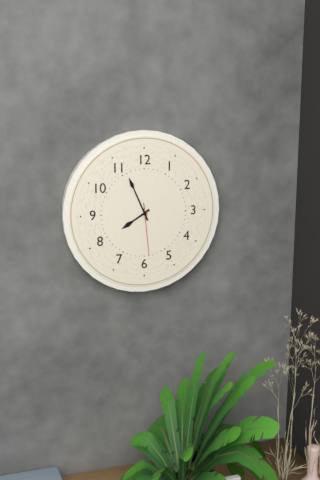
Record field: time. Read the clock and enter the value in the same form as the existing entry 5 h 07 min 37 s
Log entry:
7 h 56 min 29 s
